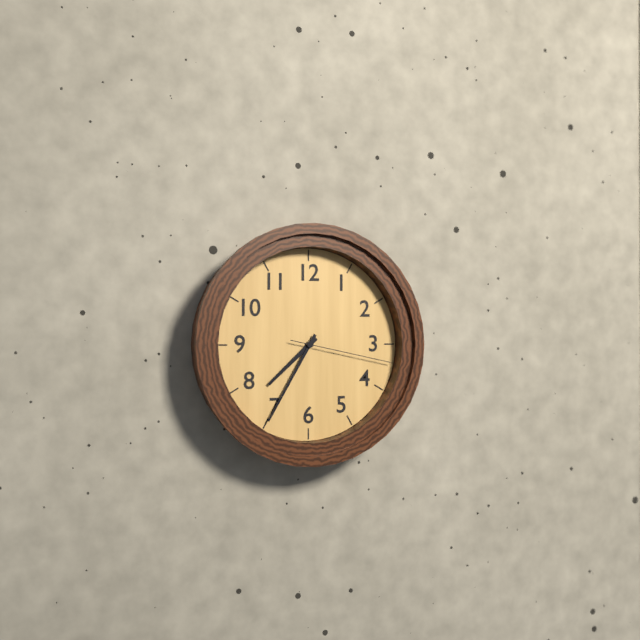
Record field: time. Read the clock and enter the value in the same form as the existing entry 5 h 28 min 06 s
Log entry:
7 h 35 min 17 s
